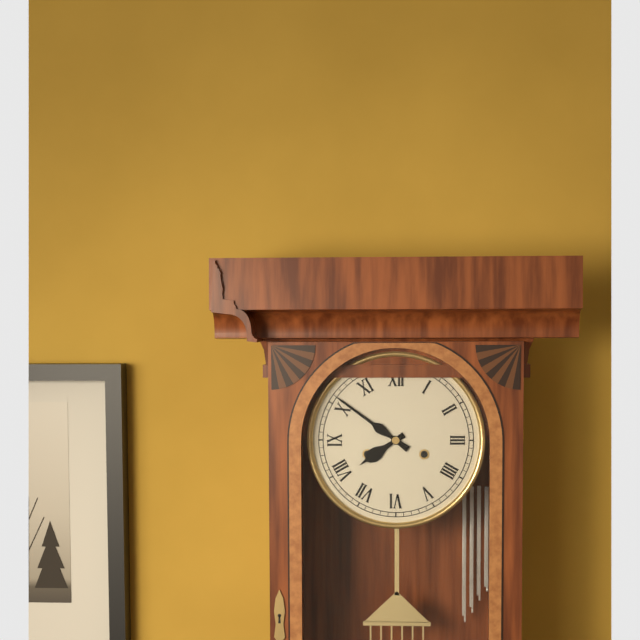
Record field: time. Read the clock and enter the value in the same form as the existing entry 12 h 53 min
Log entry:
7 h 51 min
